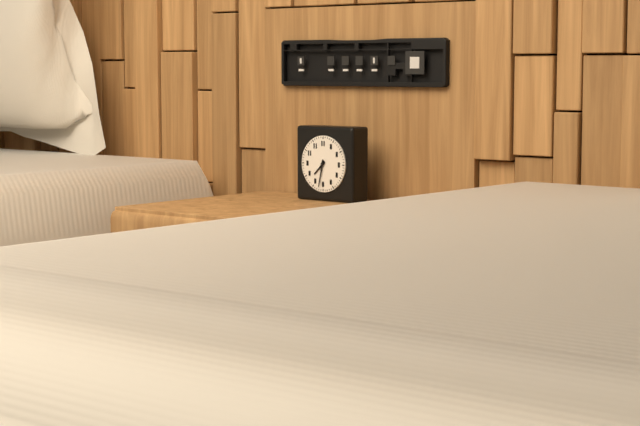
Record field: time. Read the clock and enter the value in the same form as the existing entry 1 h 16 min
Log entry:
7 h 32 min
